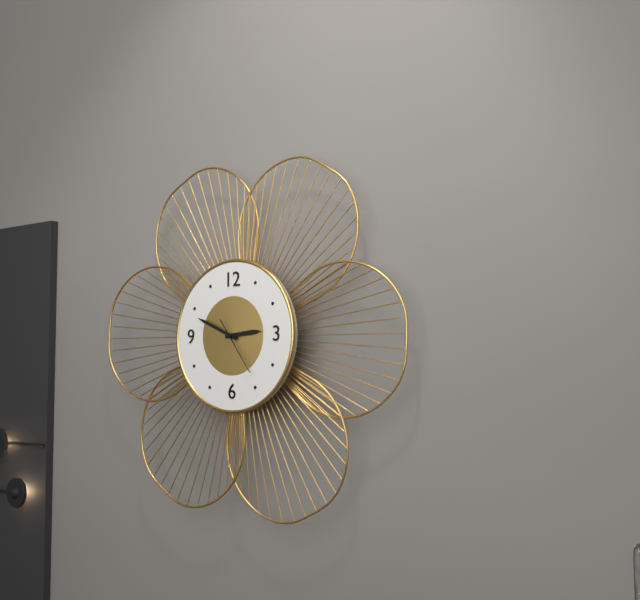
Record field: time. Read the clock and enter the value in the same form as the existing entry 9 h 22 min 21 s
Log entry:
2 h 49 min 24 s
